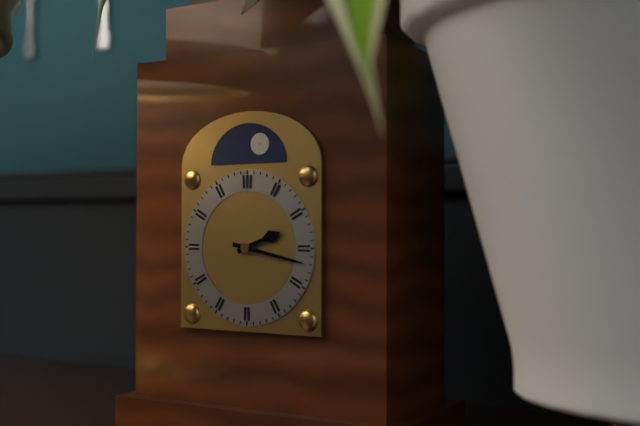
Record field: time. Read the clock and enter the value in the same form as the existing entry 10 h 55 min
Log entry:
2 h 17 min
